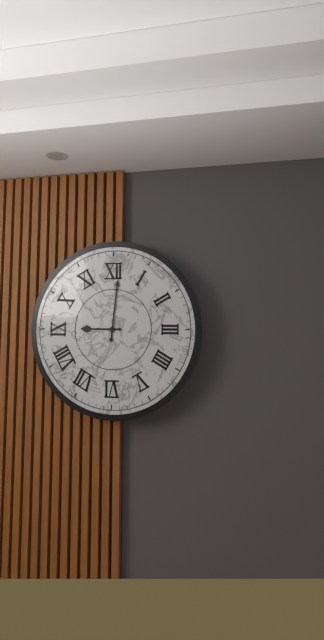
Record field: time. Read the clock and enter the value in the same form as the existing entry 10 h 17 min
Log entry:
9 h 01 min
